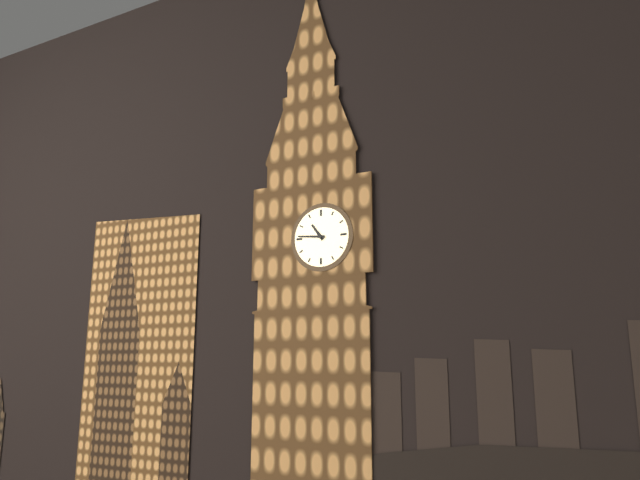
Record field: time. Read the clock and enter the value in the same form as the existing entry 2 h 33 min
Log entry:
10 h 46 min
